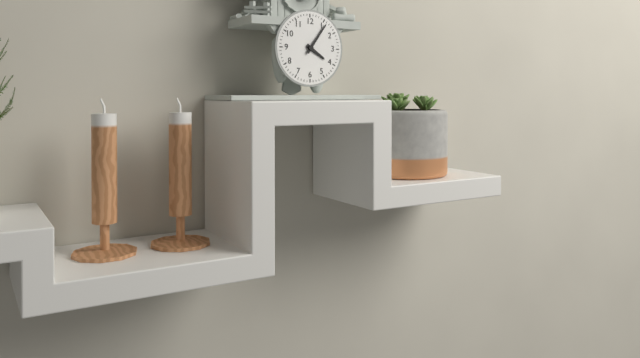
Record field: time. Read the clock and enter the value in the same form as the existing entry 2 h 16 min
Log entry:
4 h 06 min
